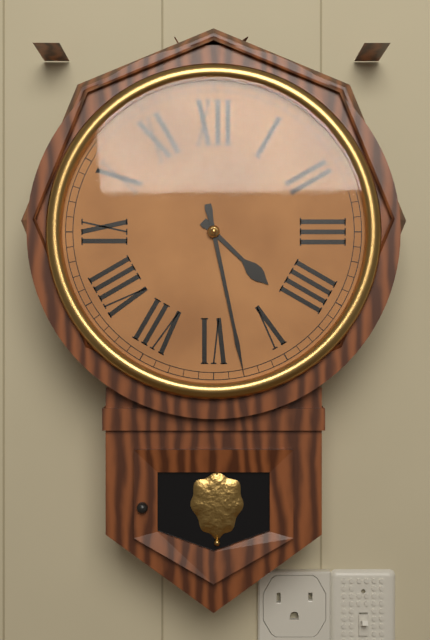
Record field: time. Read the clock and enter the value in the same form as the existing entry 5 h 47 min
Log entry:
4 h 28 min
